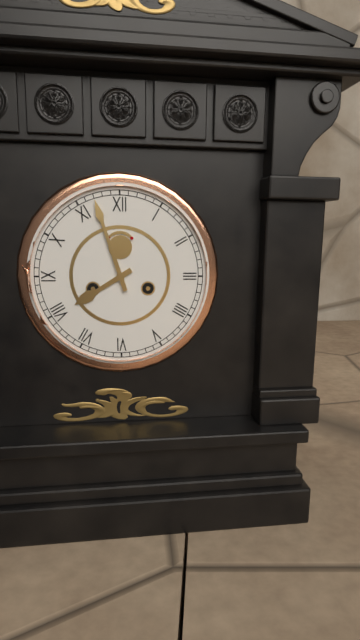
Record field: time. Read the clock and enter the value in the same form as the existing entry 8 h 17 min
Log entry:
7 h 57 min
